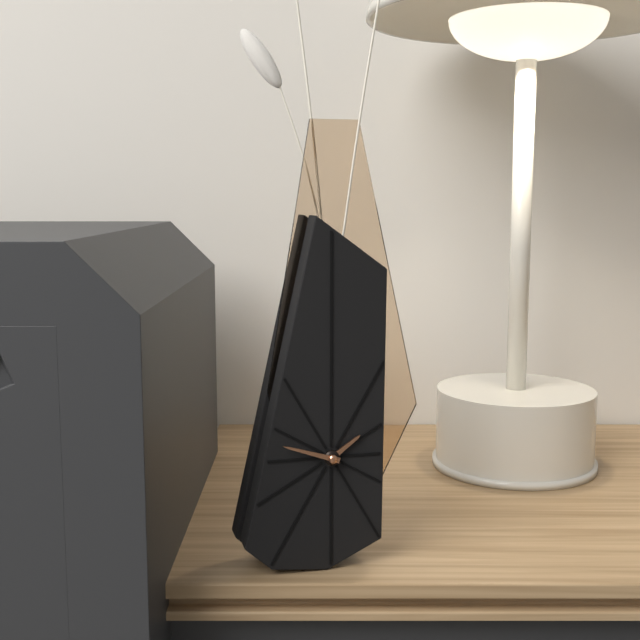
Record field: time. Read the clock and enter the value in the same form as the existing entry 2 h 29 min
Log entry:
1 h 48 min
